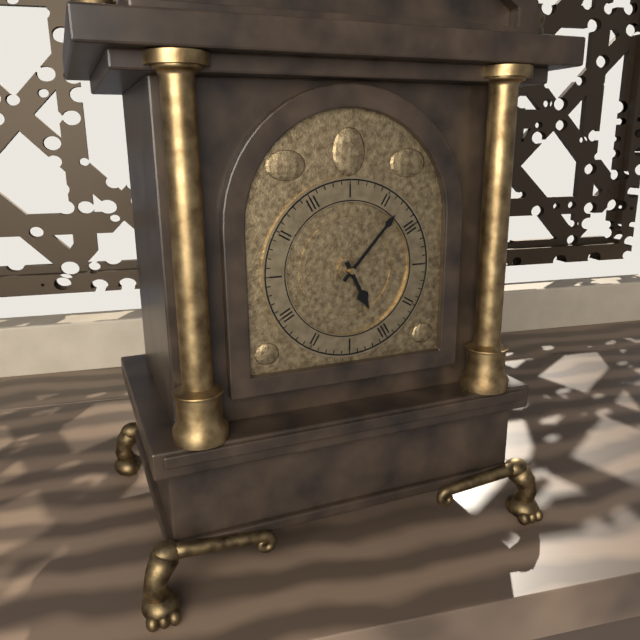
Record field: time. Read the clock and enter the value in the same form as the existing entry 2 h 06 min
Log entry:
5 h 07 min
